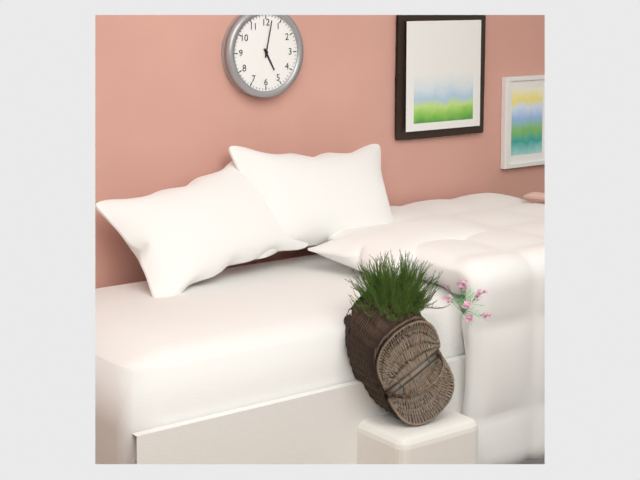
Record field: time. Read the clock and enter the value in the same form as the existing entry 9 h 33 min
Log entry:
5 h 02 min
